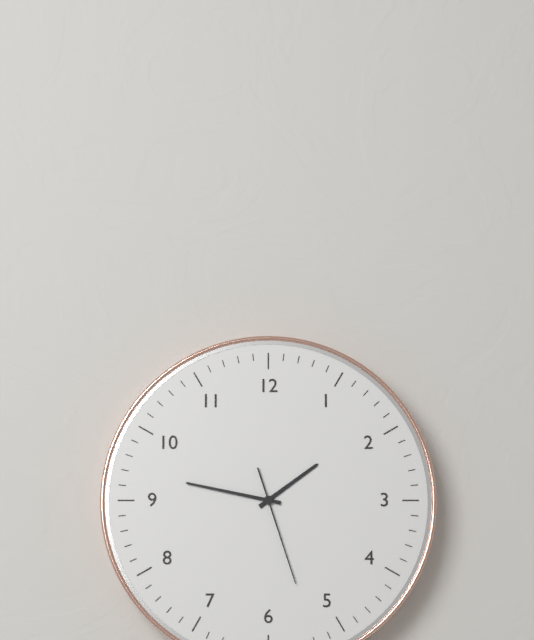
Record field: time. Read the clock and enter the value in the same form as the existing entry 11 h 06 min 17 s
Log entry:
1 h 47 min 27 s
